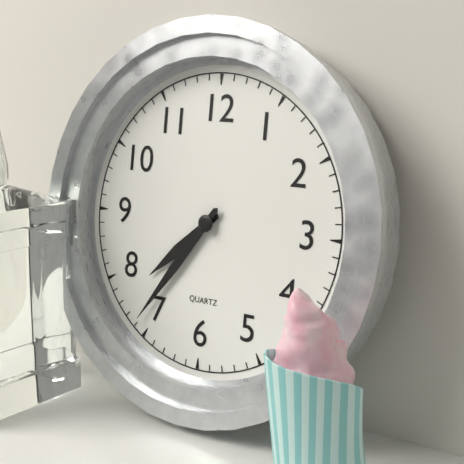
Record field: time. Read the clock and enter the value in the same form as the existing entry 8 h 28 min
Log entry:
7 h 36 min
